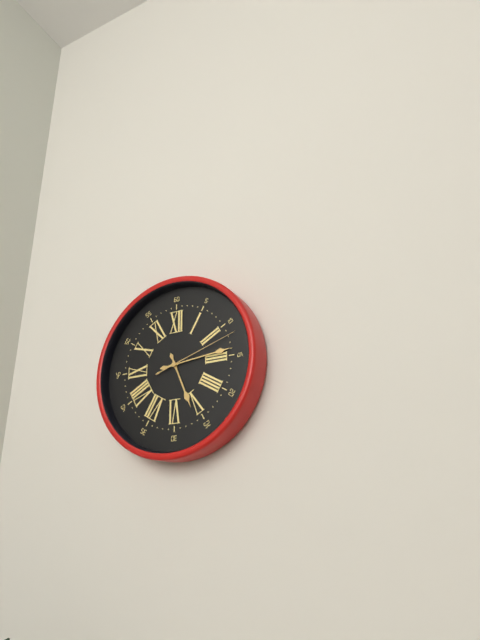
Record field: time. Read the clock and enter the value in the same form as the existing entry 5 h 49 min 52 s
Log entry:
5 h 14 min 12 s
